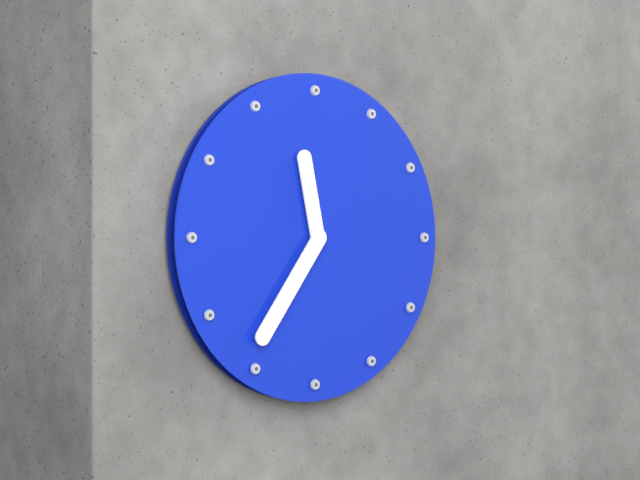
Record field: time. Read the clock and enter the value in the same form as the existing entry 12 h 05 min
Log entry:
11 h 36 min
